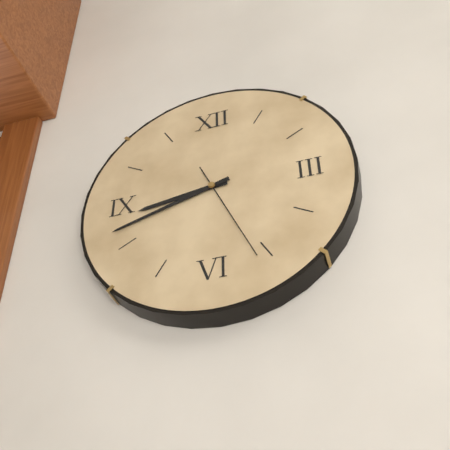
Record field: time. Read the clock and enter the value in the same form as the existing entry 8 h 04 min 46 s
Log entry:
8 h 42 min 26 s
